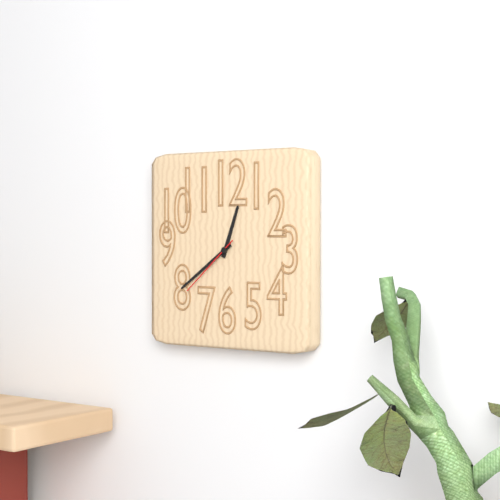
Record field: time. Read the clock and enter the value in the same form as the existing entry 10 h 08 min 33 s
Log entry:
12 h 39 min 38 s
